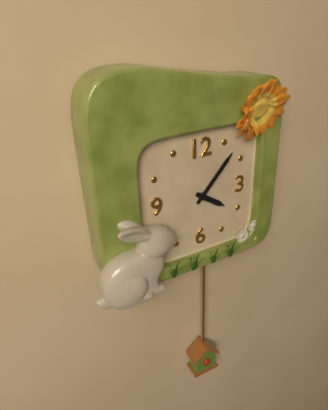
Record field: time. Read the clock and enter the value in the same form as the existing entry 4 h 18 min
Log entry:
4 h 07 min
